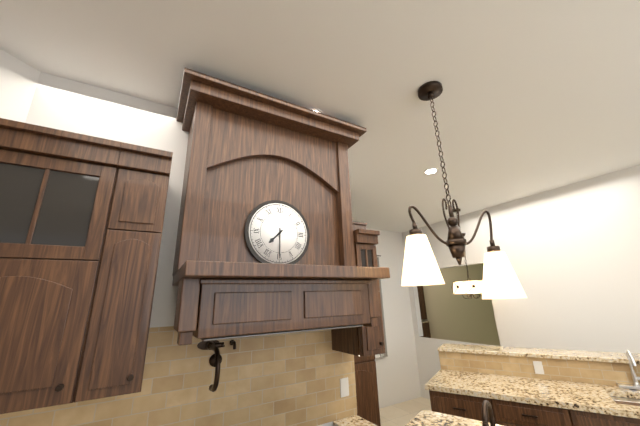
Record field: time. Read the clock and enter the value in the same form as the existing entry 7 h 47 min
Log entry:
7 h 30 min
